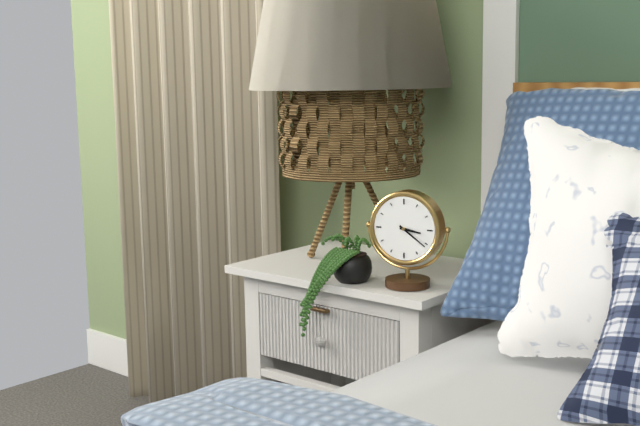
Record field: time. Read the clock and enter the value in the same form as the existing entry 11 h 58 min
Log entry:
3 h 21 min
